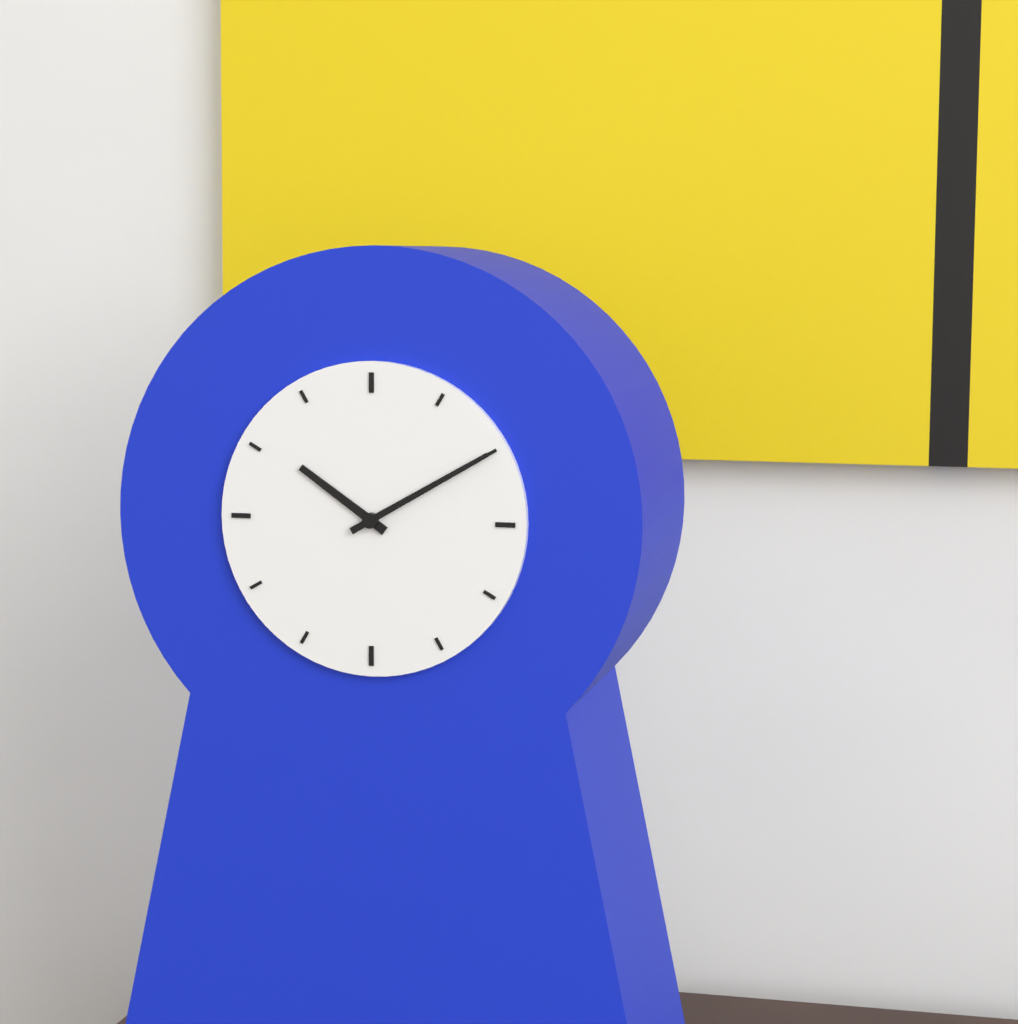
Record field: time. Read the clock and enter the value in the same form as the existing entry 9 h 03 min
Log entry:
10 h 10 min
